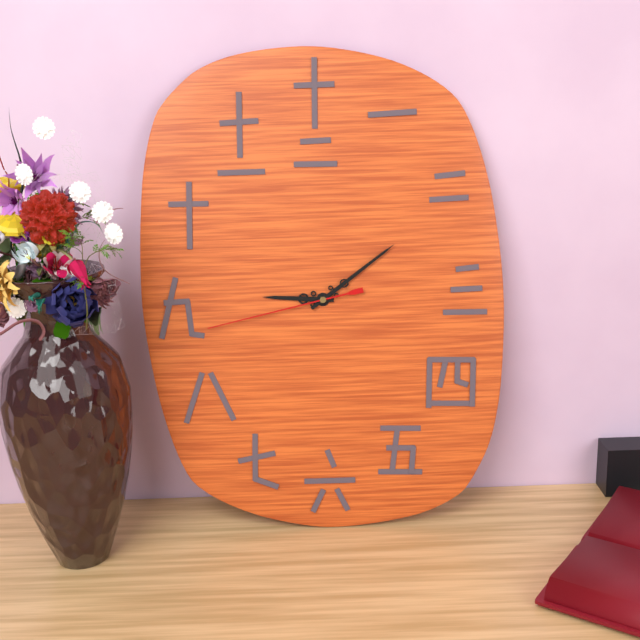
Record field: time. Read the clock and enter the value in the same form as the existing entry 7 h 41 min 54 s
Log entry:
9 h 09 min 43 s
